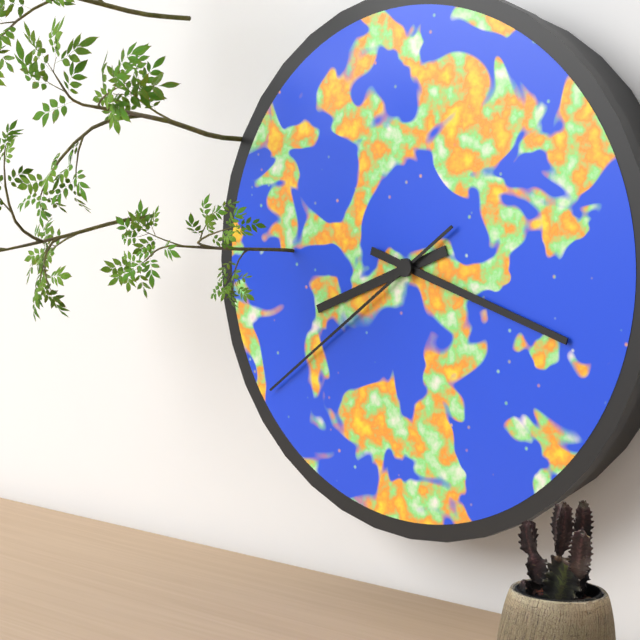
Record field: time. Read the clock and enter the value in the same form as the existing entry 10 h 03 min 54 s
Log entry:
8 h 18 min 39 s
